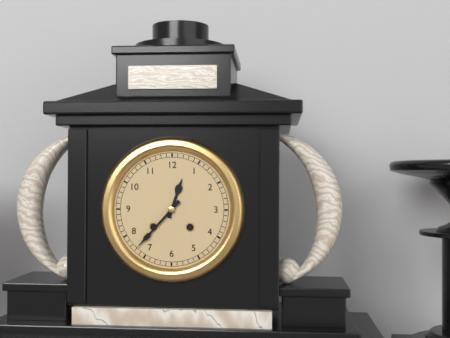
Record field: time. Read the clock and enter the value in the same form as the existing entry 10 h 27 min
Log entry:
12 h 37 min
